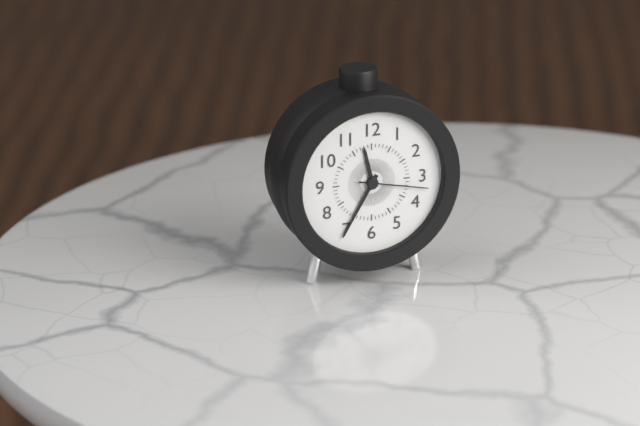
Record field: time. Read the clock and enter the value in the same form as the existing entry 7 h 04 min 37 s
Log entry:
11 h 35 min 17 s
